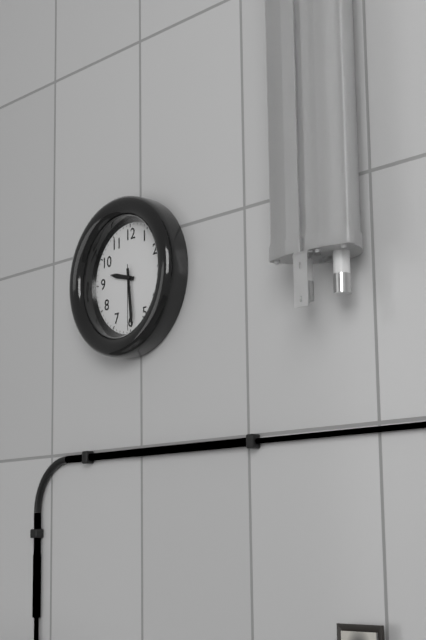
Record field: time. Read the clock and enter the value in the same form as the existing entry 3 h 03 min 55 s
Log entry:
9 h 29 min 30 s
